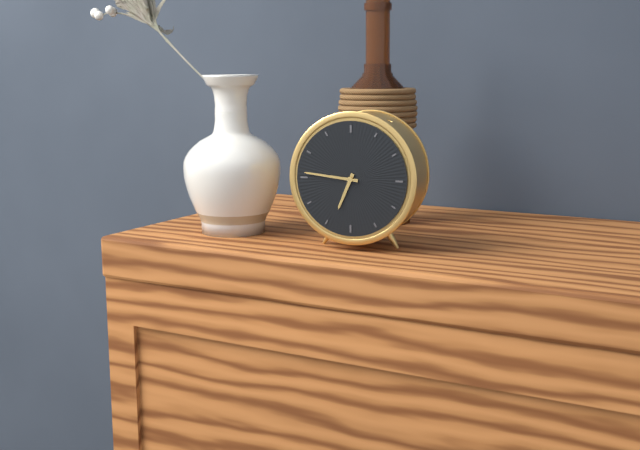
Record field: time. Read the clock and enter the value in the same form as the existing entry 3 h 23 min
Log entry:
6 h 46 min
